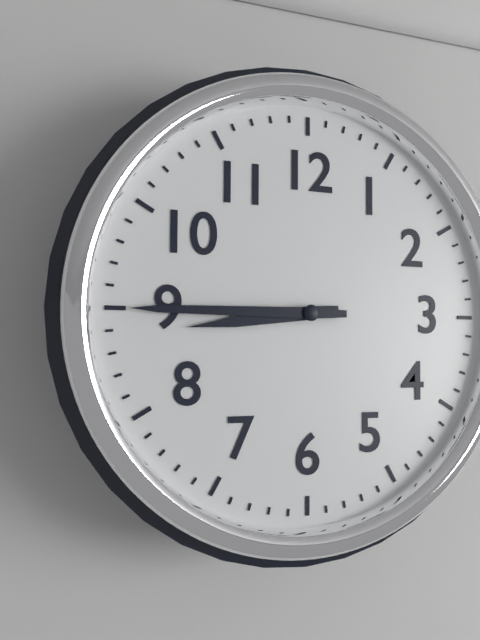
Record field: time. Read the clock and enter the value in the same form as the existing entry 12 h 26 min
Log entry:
8 h 45 min
